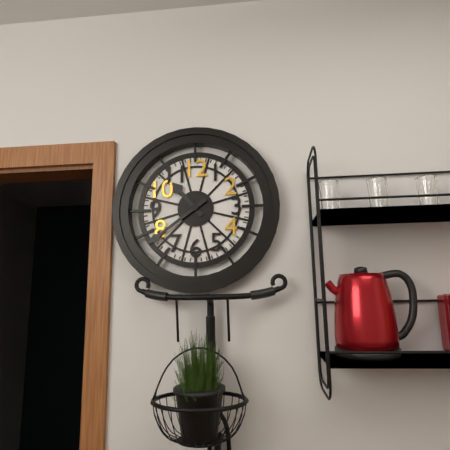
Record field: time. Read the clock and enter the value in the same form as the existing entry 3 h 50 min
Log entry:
10 h 39 min
